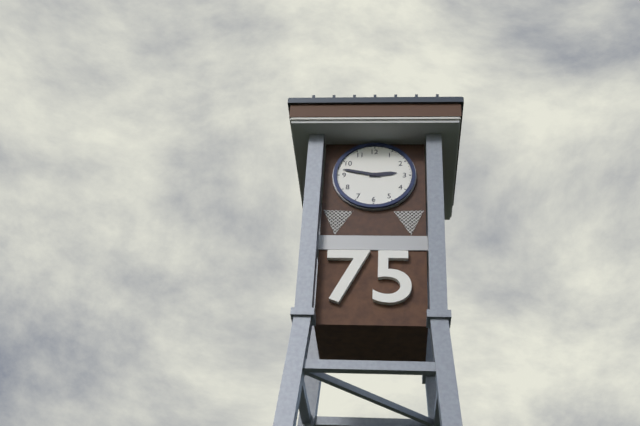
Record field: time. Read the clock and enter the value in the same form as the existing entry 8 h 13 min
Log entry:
2 h 47 min
